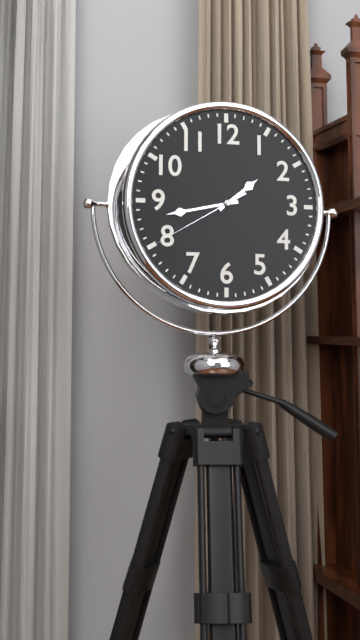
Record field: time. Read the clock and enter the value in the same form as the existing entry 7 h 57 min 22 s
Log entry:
1 h 43 min 40 s
